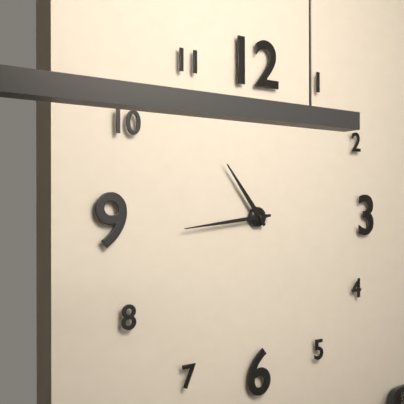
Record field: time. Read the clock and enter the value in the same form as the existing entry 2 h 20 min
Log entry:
10 h 44 min
